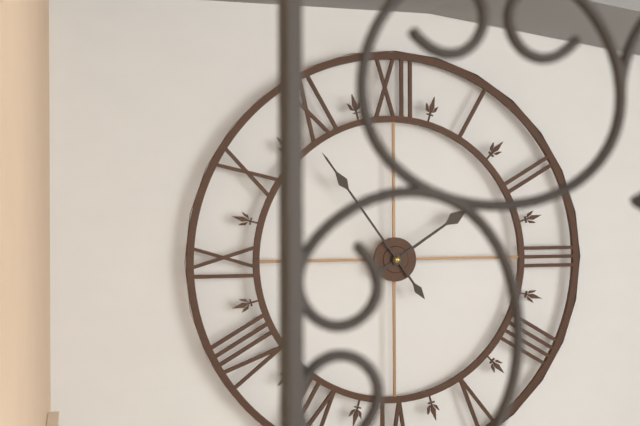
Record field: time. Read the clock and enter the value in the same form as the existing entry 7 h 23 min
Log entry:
1 h 54 min
